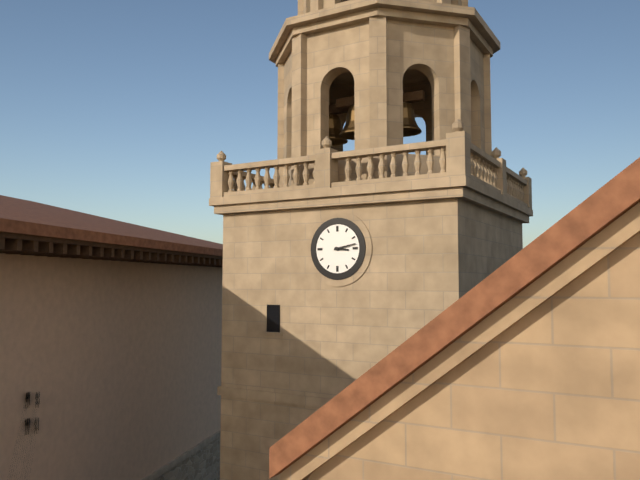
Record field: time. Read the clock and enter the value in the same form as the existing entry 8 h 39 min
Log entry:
3 h 13 min
